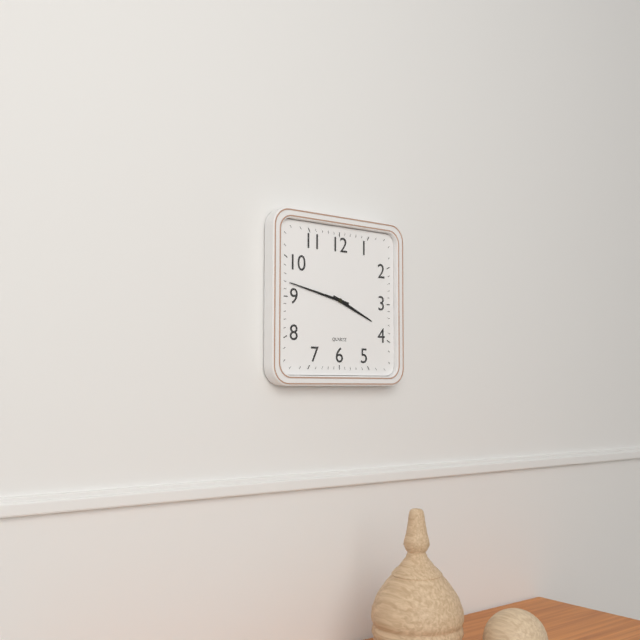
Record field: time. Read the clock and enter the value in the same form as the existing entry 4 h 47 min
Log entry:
3 h 47 min
